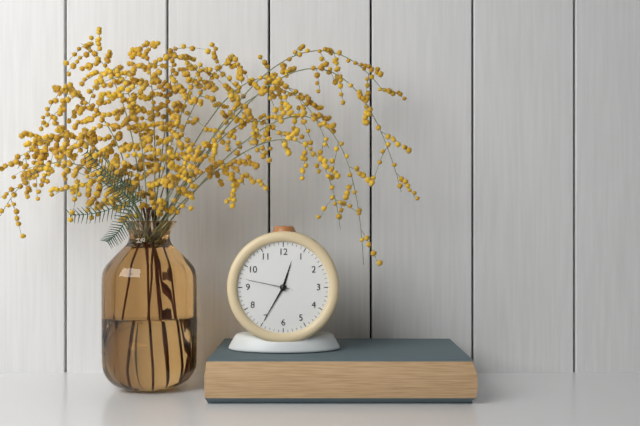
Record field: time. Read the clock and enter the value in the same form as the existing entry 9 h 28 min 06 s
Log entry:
12 h 35 min 47 s
